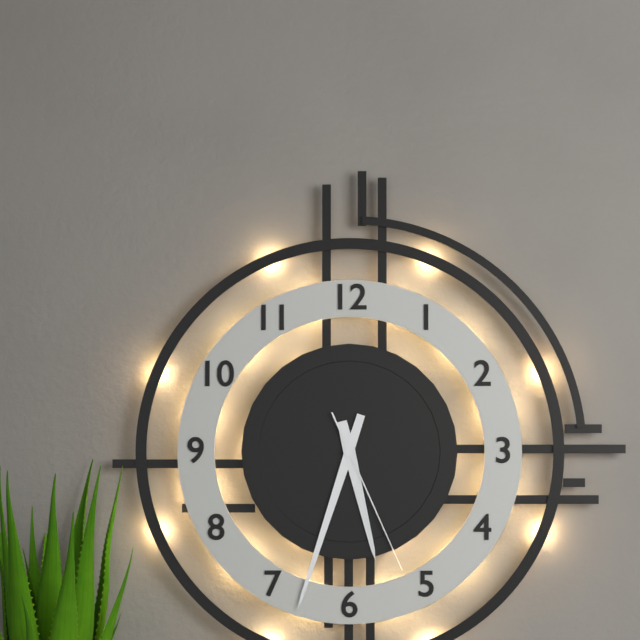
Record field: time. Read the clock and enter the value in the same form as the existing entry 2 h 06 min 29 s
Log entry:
5 h 33 min 26 s
